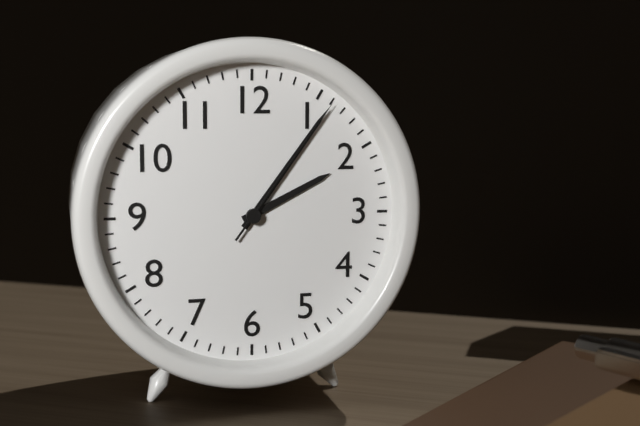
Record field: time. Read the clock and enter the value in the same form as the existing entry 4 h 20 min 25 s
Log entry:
2 h 06 min 06 s
